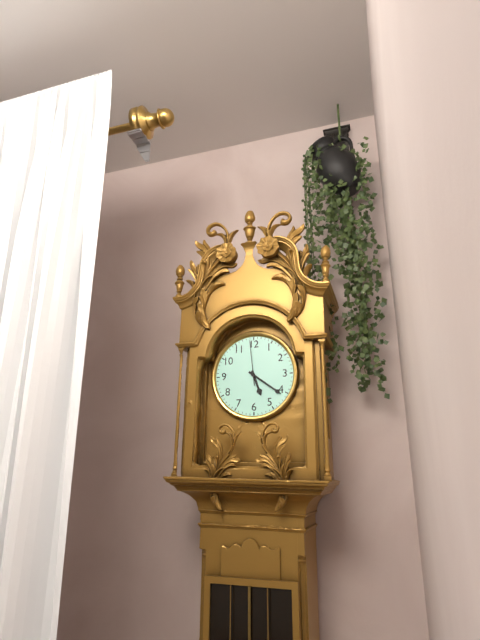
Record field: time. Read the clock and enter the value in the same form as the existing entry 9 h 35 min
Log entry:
5 h 21 min
